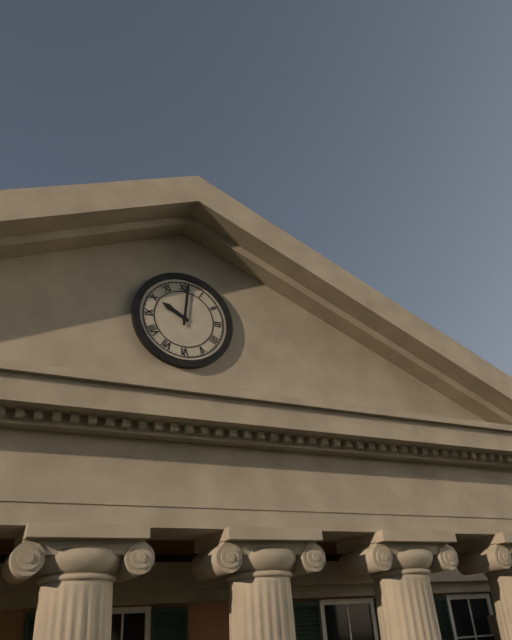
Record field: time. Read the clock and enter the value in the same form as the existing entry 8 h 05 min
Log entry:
10 h 01 min
